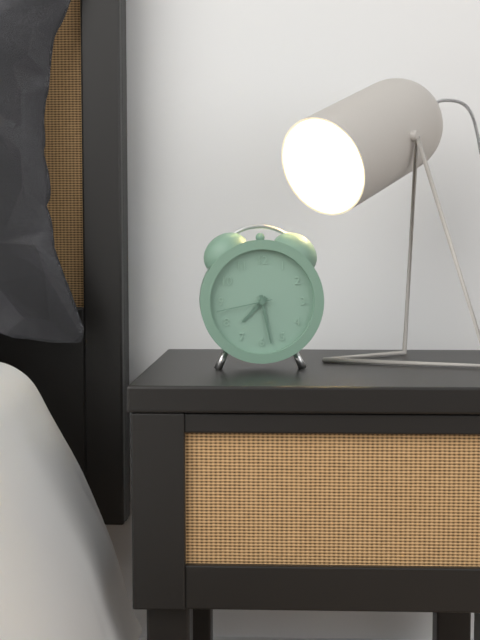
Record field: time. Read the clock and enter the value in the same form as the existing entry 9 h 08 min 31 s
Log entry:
7 h 28 min 43 s
